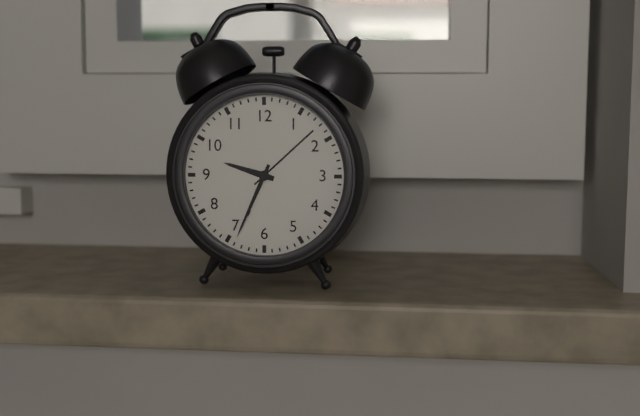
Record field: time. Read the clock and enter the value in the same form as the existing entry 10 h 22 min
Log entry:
9 h 34 min
